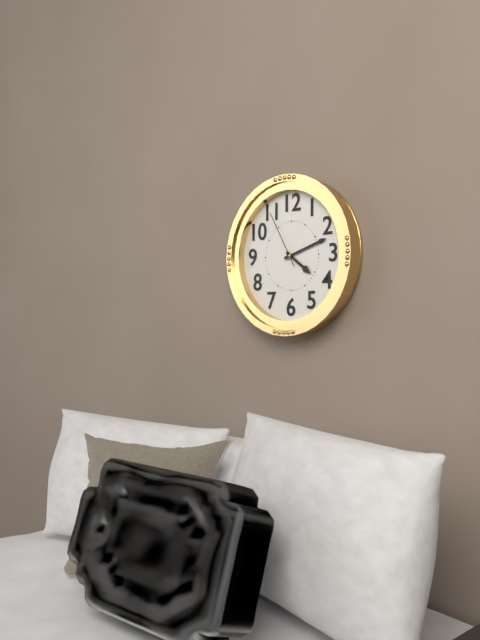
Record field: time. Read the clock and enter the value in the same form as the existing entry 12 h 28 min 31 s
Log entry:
4 h 12 min 55 s
